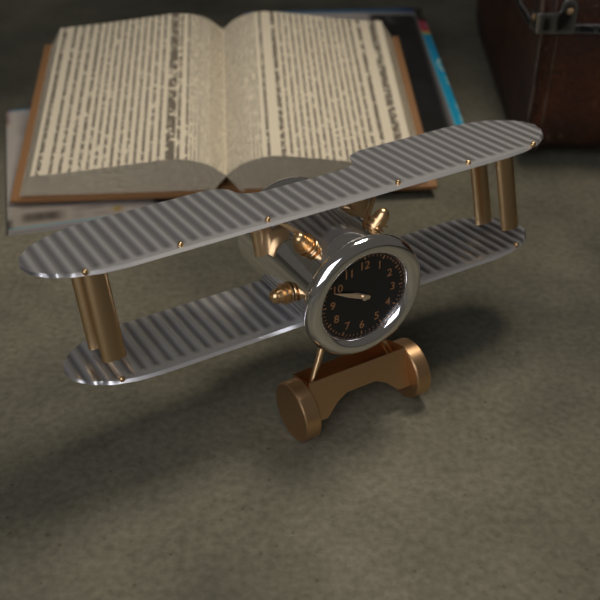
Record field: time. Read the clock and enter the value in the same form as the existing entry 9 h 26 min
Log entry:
9 h 49 min
